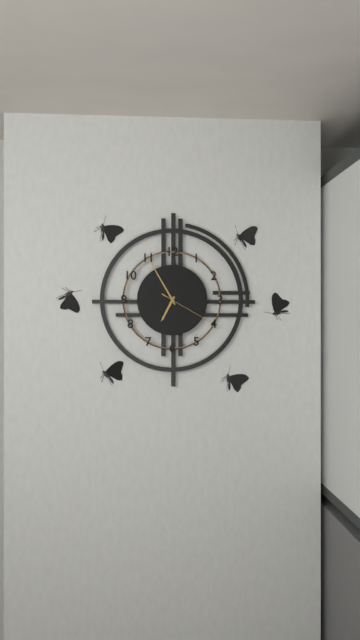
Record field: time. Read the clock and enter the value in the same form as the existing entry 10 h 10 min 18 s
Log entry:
6 h 55 min 20 s
